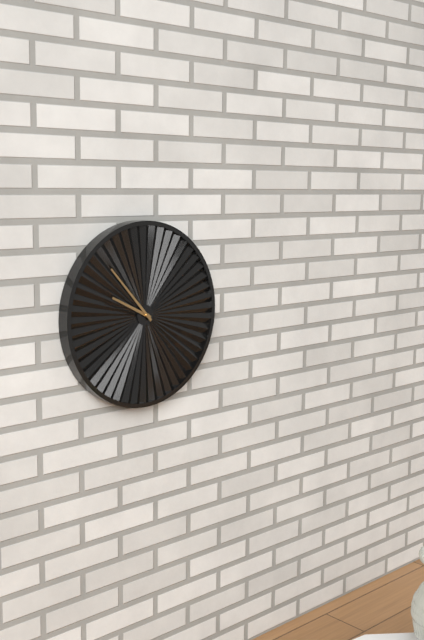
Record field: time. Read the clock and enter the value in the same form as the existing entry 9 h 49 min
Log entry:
9 h 53 min
